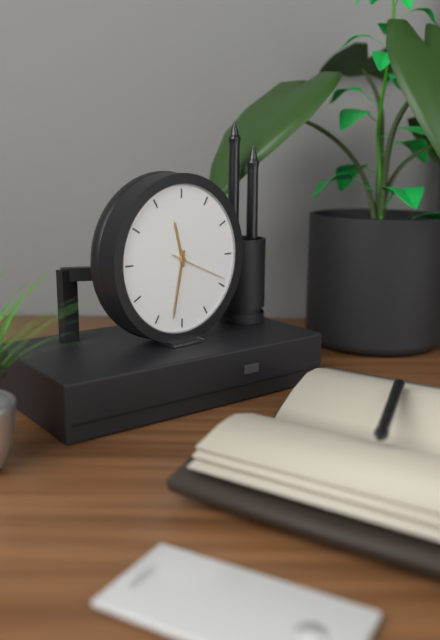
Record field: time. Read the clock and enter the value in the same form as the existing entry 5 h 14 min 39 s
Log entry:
11 h 32 min 19 s
